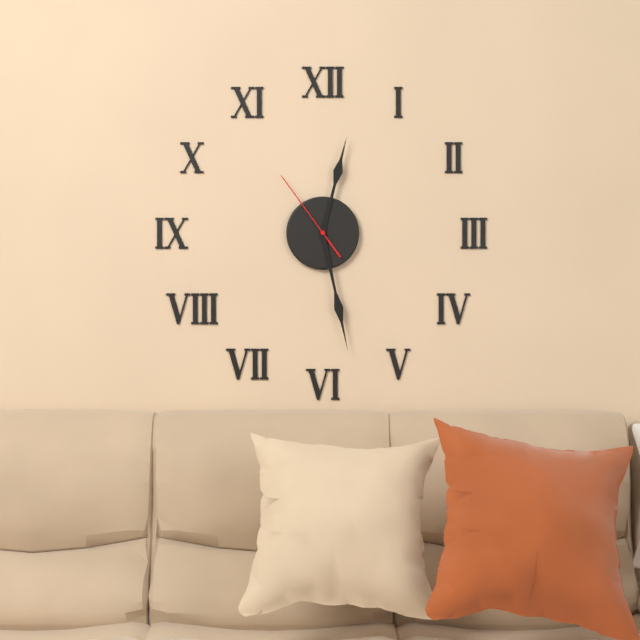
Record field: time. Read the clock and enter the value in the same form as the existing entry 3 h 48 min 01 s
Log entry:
12 h 28 min 54 s
